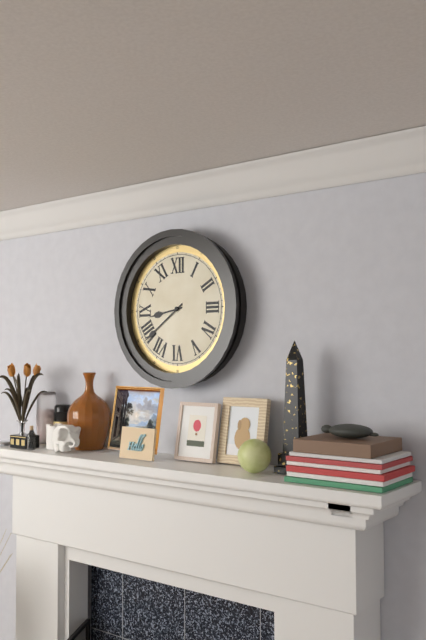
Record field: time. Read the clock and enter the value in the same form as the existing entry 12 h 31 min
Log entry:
8 h 39 min
